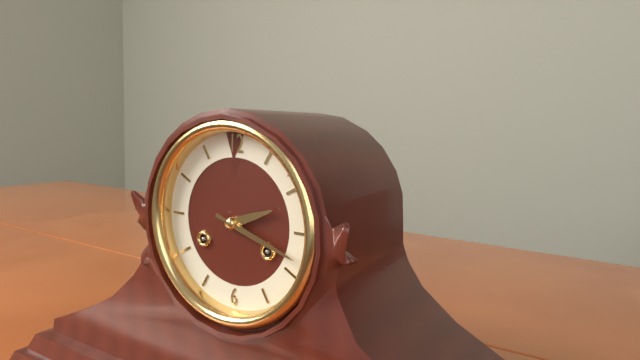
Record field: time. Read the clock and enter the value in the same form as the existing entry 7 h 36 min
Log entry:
2 h 18 min
